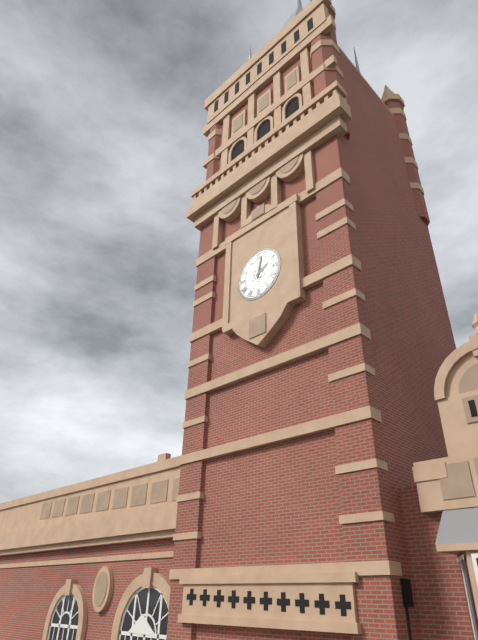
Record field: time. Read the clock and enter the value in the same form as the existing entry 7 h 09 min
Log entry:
2 h 02 min
